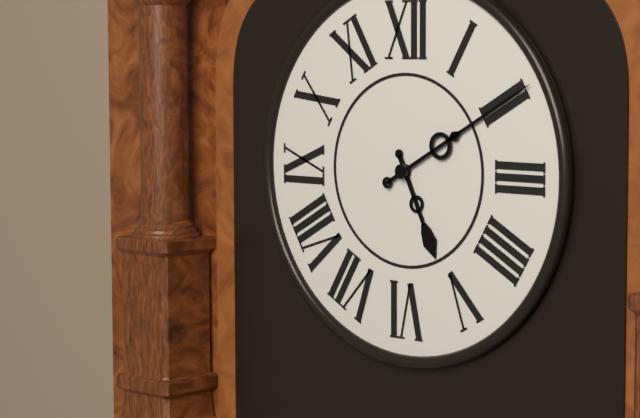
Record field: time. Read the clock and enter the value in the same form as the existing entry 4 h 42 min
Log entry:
5 h 10 min
